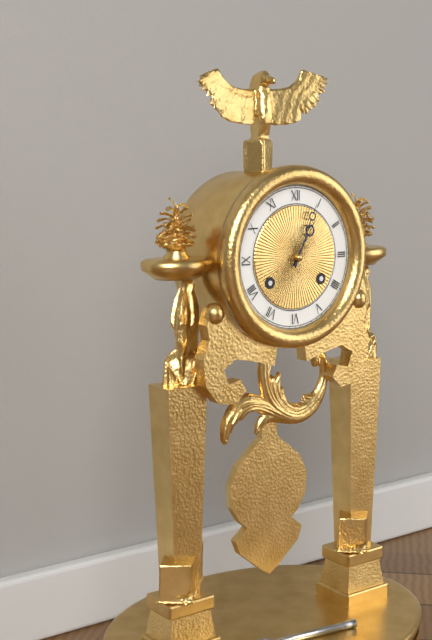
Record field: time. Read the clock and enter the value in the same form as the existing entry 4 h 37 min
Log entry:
1 h 04 min
